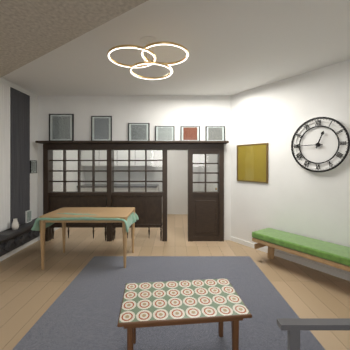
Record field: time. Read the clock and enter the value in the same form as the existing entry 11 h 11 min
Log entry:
12 h 45 min
